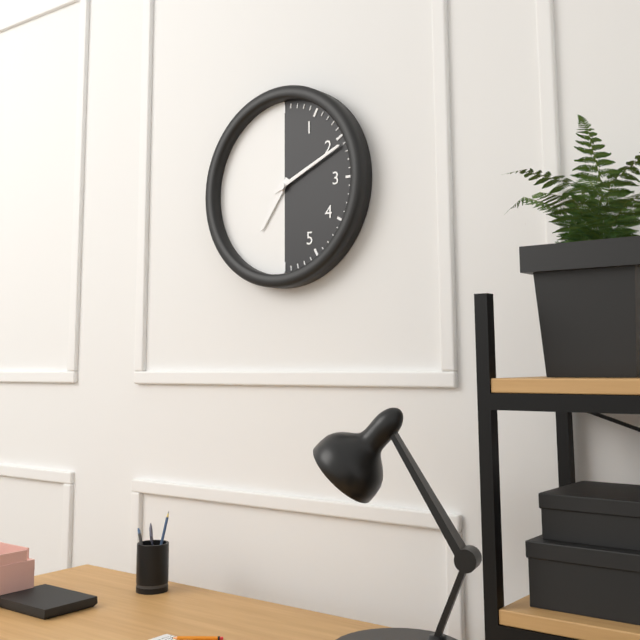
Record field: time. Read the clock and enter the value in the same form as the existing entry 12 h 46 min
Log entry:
7 h 11 min
